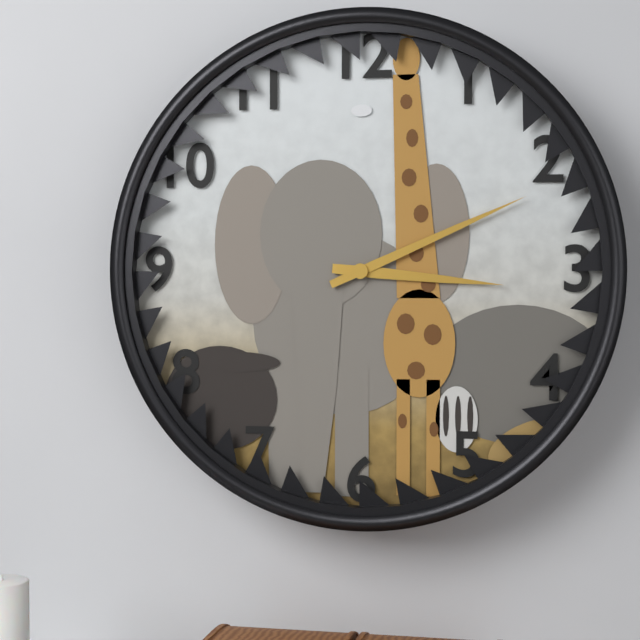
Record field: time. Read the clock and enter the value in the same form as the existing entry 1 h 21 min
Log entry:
3 h 11 min
